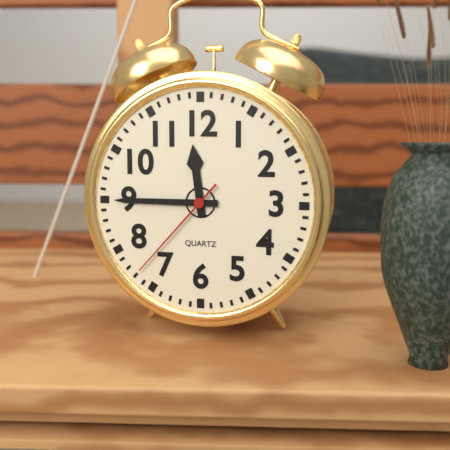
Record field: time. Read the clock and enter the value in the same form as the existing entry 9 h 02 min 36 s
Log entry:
11 h 45 min 37 s
